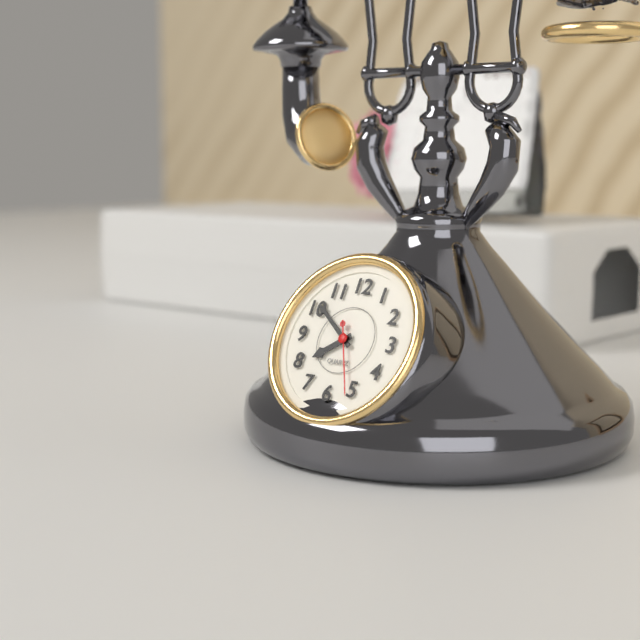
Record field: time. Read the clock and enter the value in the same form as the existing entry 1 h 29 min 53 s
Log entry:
7 h 51 min 26 s
